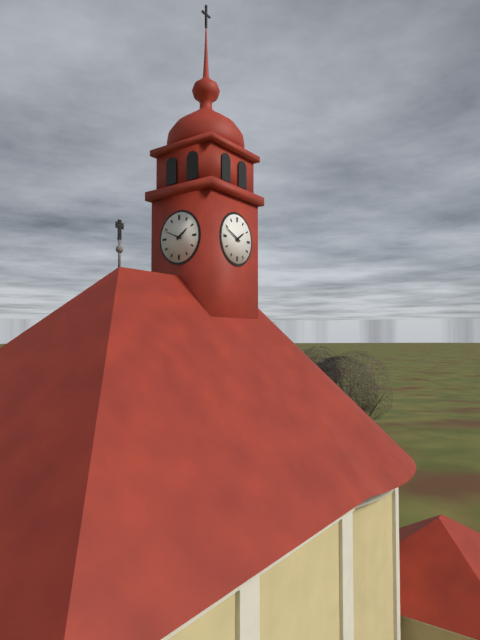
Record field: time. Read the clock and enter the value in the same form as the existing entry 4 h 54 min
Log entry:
1 h 49 min
